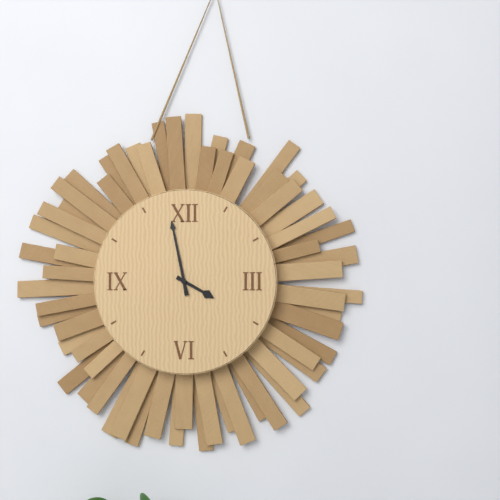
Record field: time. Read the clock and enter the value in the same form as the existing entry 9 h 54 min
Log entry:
3 h 58 min
